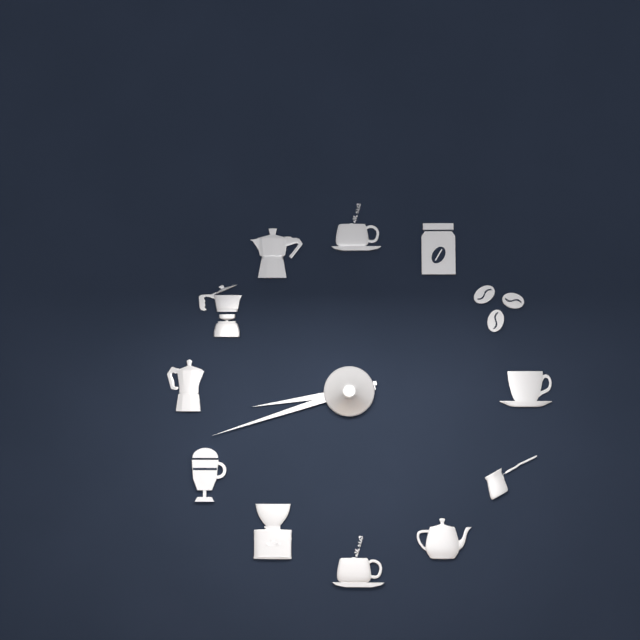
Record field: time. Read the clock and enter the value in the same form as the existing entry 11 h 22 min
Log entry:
8 h 42 min
